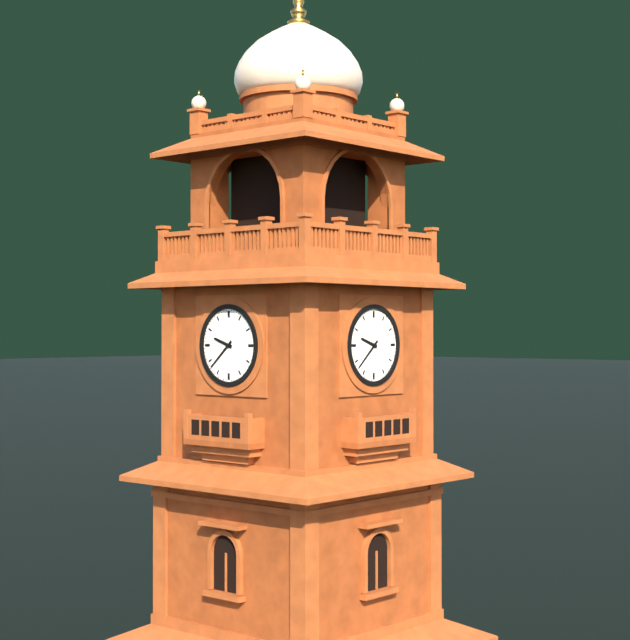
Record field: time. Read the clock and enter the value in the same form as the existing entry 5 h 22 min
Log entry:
9 h 38 min
